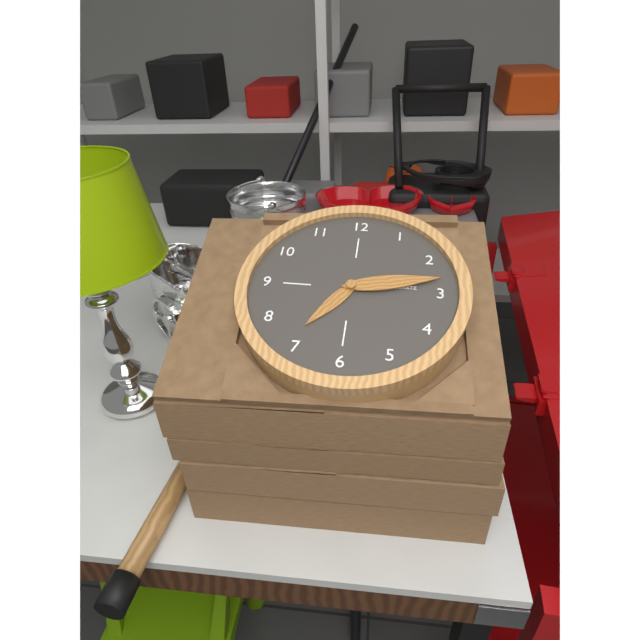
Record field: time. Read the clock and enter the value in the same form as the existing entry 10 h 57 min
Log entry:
7 h 13 min
